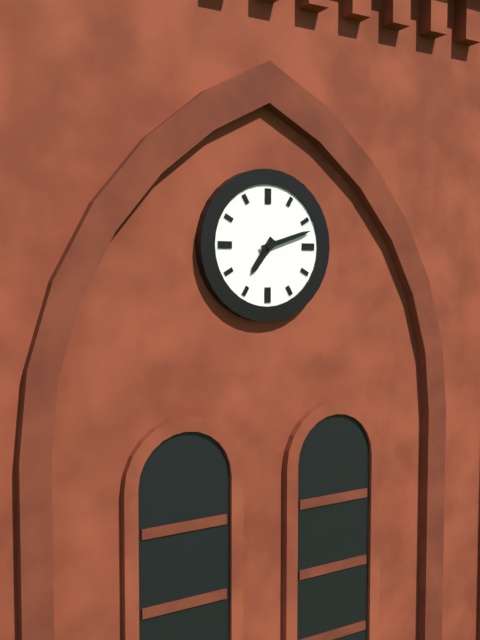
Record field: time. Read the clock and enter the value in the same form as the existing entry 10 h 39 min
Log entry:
7 h 12 min
